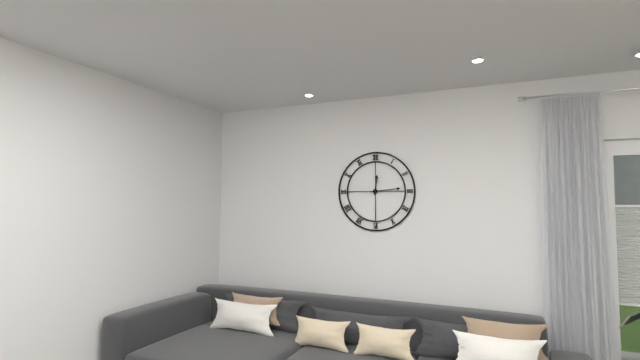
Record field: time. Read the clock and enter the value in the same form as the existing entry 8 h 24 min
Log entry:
12 h 14 min
